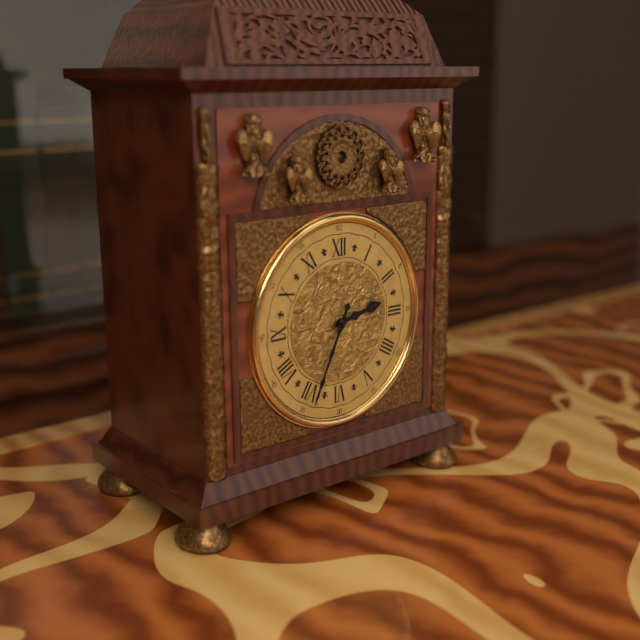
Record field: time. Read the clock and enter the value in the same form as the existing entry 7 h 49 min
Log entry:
2 h 34 min
